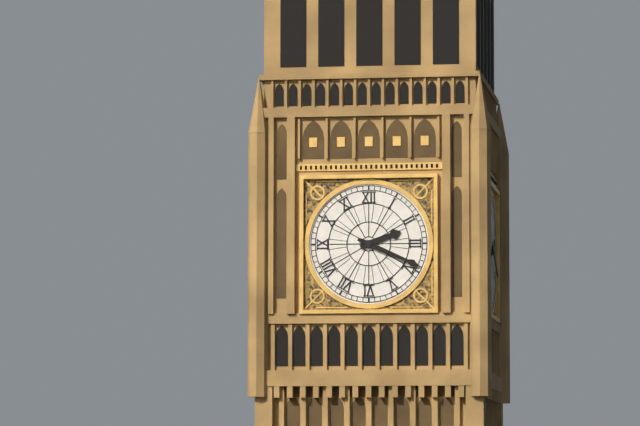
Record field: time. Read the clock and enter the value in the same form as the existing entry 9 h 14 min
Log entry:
2 h 19 min
